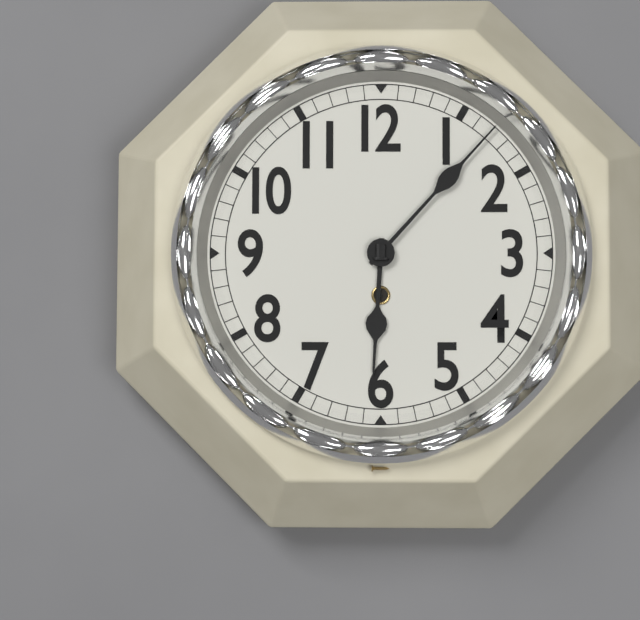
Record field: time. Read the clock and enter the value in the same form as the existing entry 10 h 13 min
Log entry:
6 h 07 min
